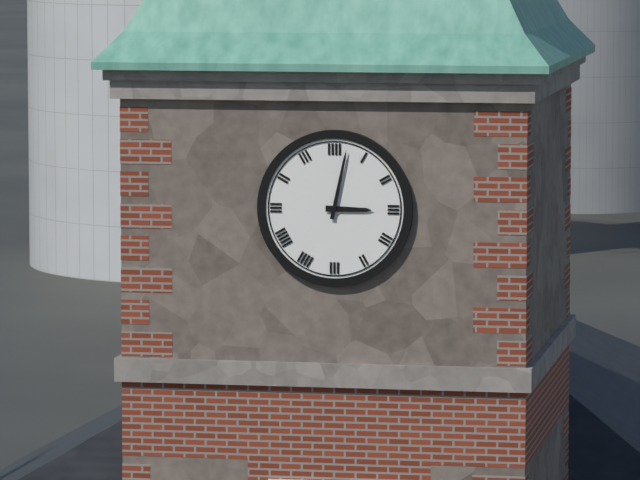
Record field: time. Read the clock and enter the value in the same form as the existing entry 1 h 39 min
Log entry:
3 h 02 min
